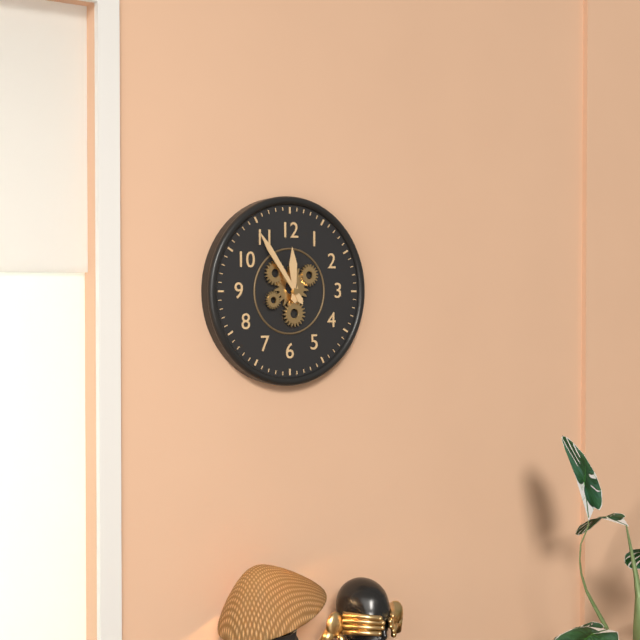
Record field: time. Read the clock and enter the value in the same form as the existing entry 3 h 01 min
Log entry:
11 h 54 min
